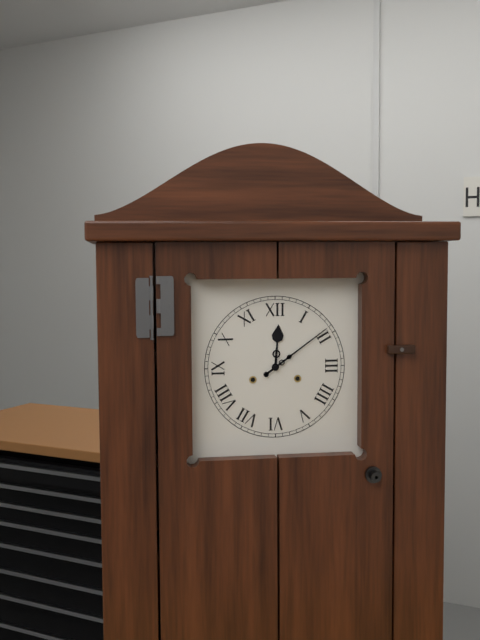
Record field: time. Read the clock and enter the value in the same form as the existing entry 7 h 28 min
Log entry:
12 h 09 min
